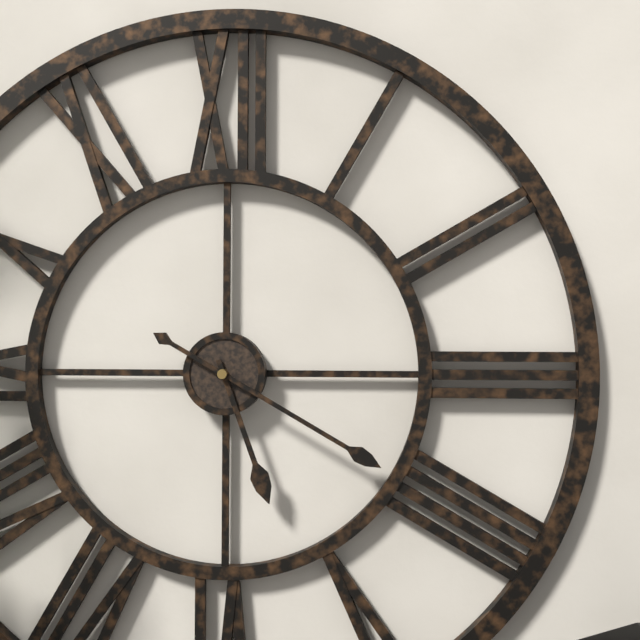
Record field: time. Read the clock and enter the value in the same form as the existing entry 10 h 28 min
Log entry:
5 h 20 min
